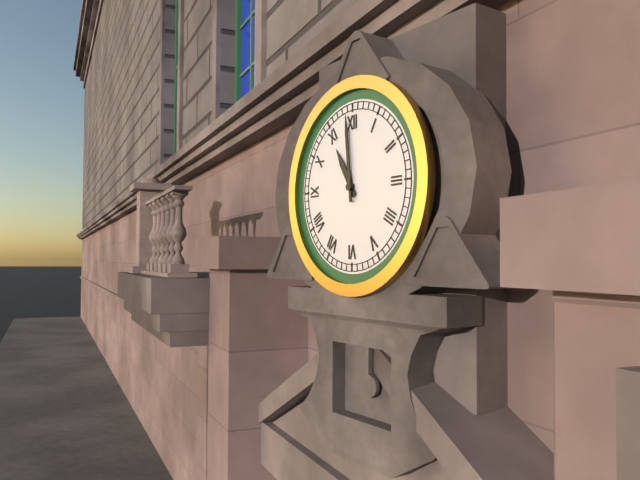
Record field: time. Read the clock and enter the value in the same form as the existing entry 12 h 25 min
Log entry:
10 h 59 min
